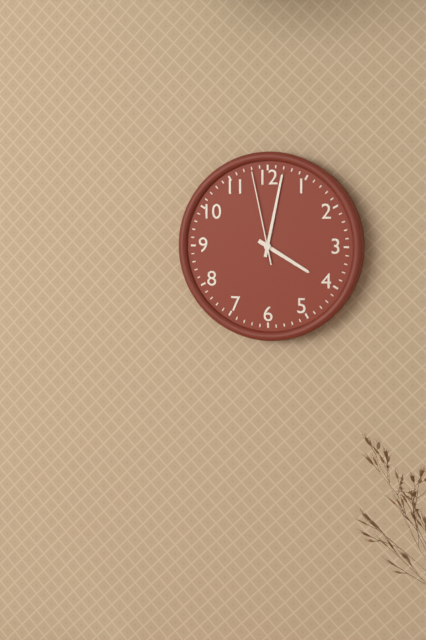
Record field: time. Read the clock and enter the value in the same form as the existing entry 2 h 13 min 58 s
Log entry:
4 h 02 min 58 s
